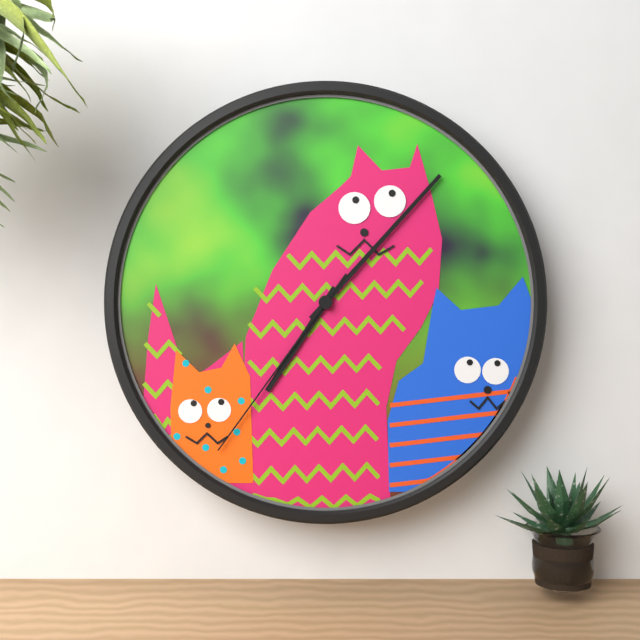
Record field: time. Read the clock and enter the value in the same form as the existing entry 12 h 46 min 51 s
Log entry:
7 h 07 min 36 s
